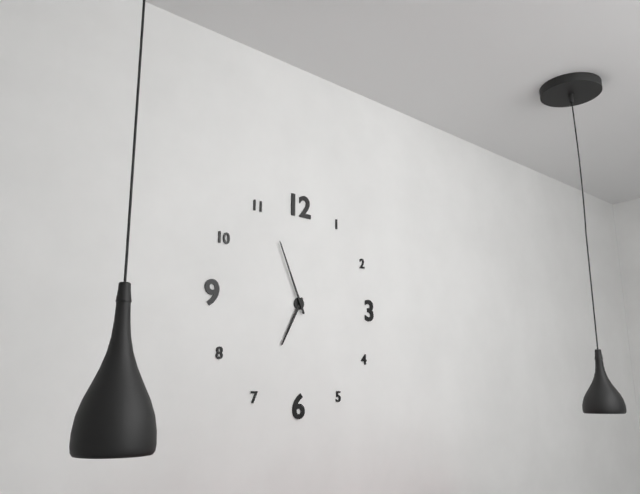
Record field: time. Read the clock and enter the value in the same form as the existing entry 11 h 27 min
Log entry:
6 h 56 min
